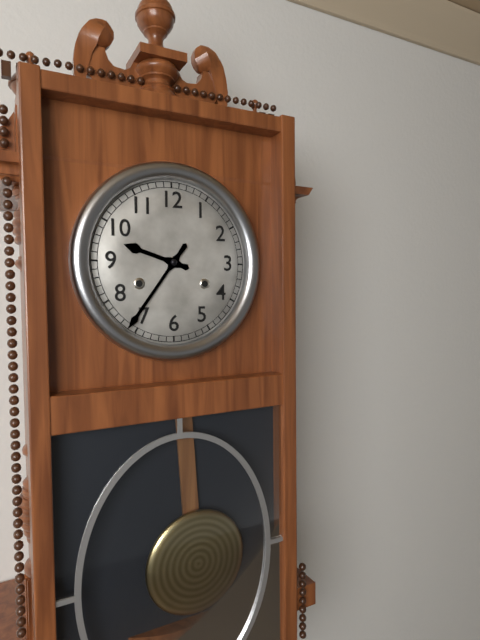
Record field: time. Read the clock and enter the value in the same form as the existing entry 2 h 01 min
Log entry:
9 h 36 min
